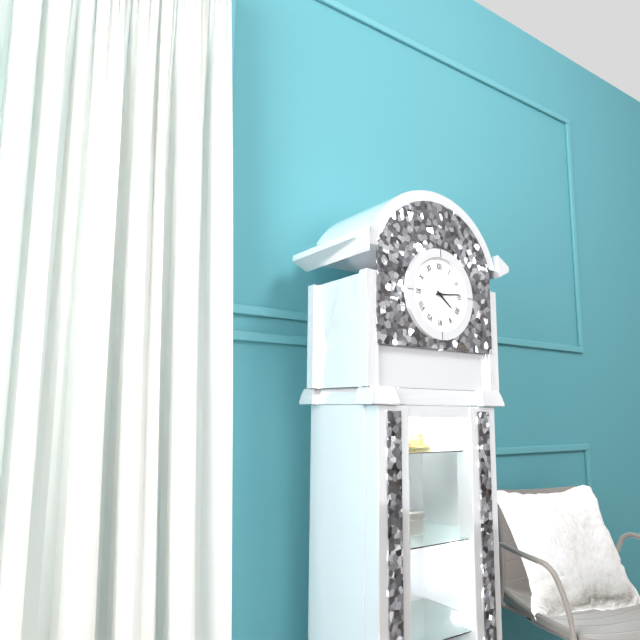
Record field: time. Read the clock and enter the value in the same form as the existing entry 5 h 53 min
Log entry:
4 h 14 min
